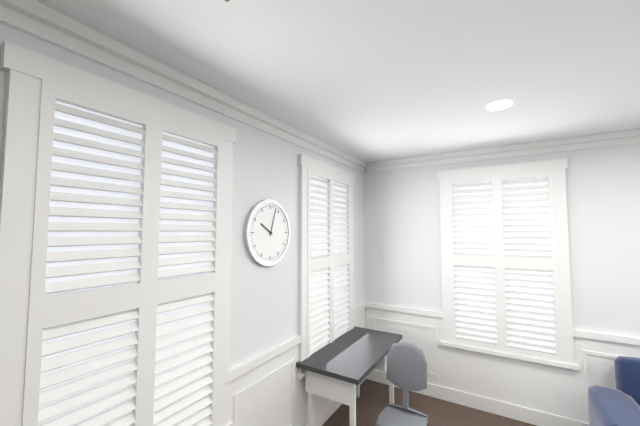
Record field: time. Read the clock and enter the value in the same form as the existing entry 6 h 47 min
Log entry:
10 h 03 min
